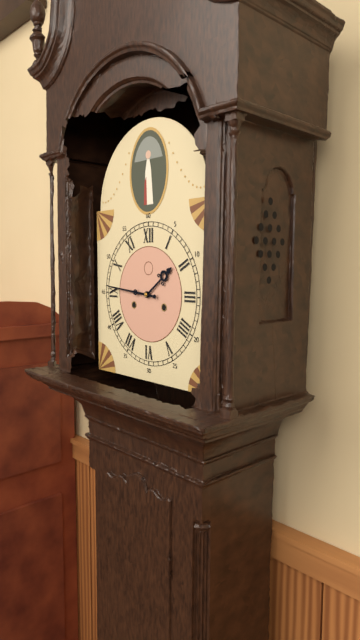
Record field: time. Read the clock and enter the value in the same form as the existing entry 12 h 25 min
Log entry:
1 h 46 min
